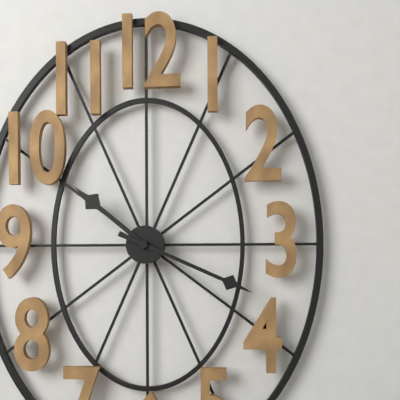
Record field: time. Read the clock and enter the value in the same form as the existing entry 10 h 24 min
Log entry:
10 h 19 min
